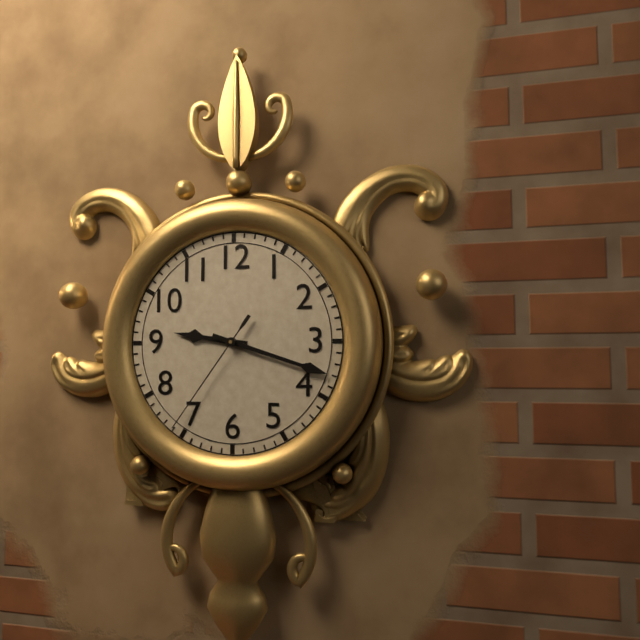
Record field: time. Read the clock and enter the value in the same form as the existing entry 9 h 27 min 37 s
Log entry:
9 h 18 min 36 s
